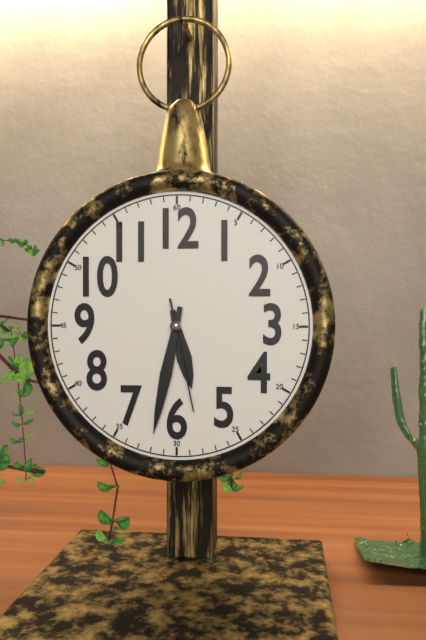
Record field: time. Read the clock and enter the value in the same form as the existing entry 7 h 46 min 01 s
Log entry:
5 h 32 min 28 s
